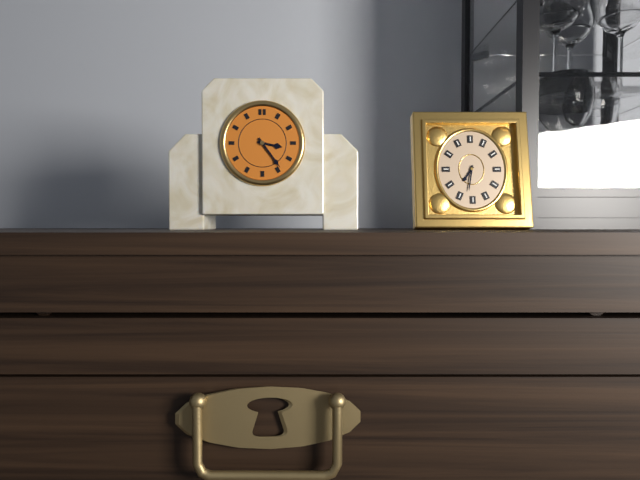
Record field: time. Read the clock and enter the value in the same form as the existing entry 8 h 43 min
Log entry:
3 h 24 min
